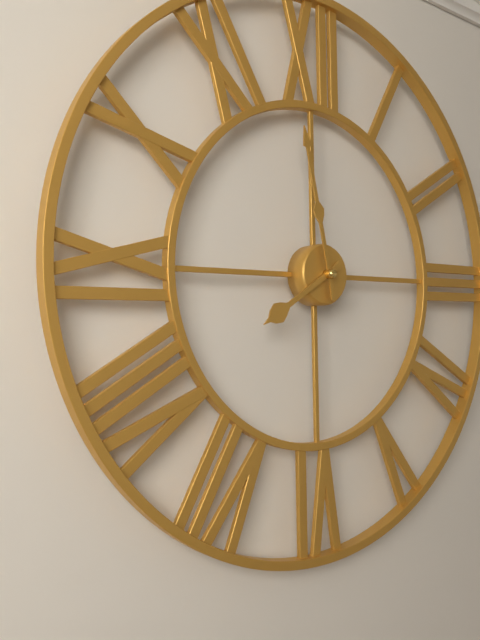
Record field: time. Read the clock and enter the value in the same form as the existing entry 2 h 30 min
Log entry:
7 h 58 min
